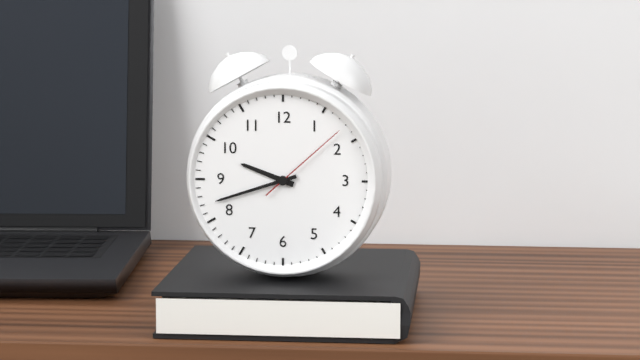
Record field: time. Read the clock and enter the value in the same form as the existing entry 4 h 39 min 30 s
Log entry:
9 h 42 min 08 s
